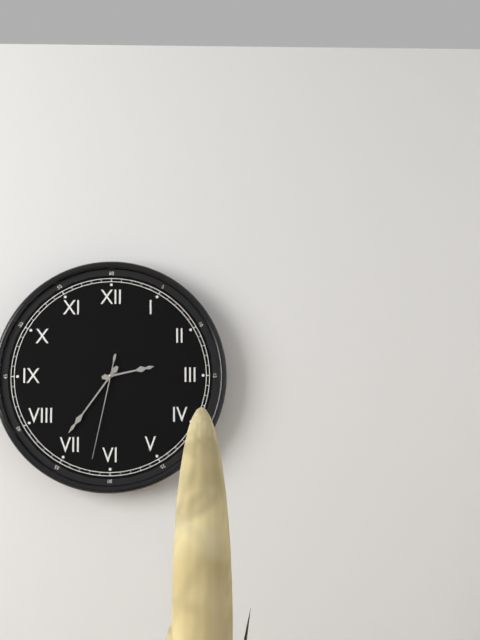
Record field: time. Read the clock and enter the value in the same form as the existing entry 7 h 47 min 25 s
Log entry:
2 h 36 min 32 s
